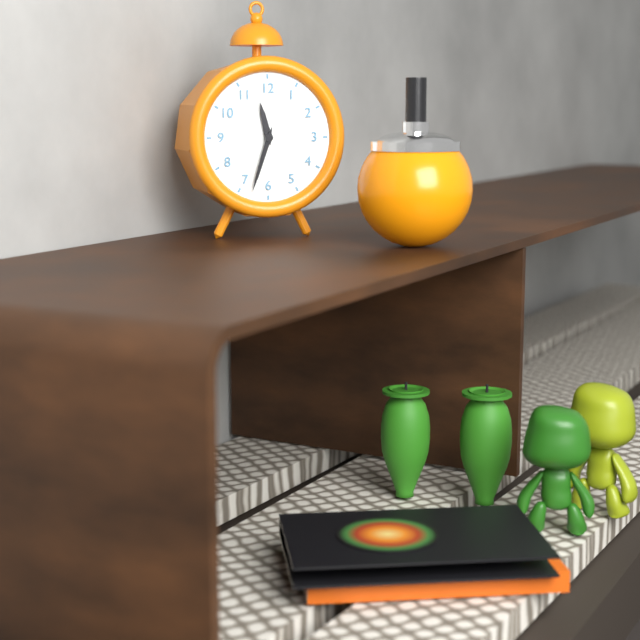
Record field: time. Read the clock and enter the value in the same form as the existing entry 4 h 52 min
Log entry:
11 h 33 min
